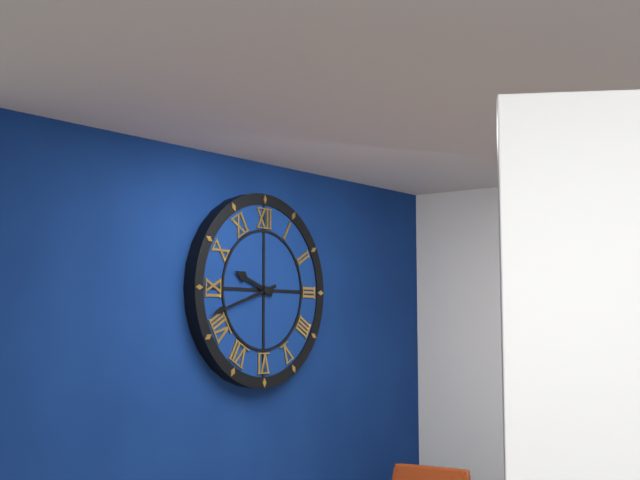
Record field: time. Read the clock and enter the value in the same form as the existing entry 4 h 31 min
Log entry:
9 h 42 min
